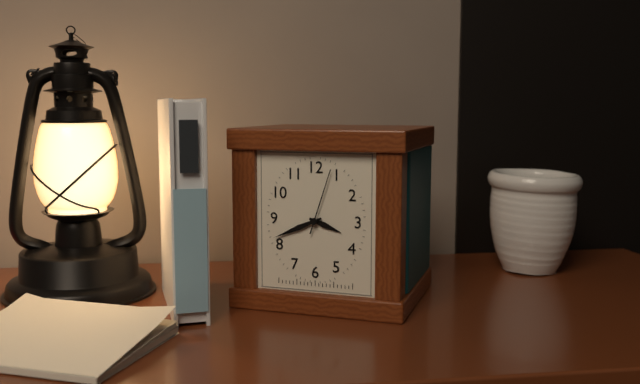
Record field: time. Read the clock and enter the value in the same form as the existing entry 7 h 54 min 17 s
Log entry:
3 h 41 min 03 s
